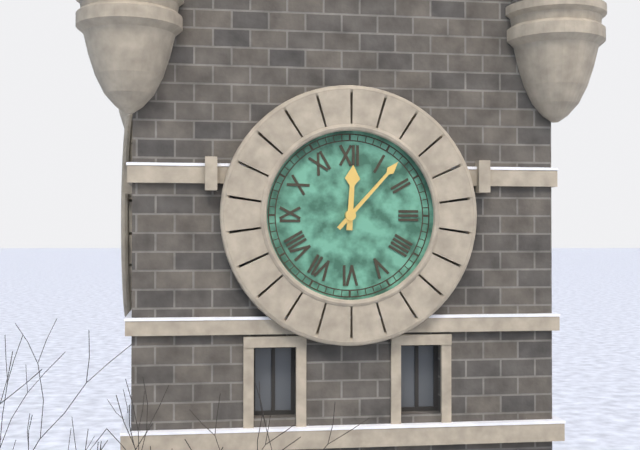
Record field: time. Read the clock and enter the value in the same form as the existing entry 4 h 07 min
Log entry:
12 h 07 min
